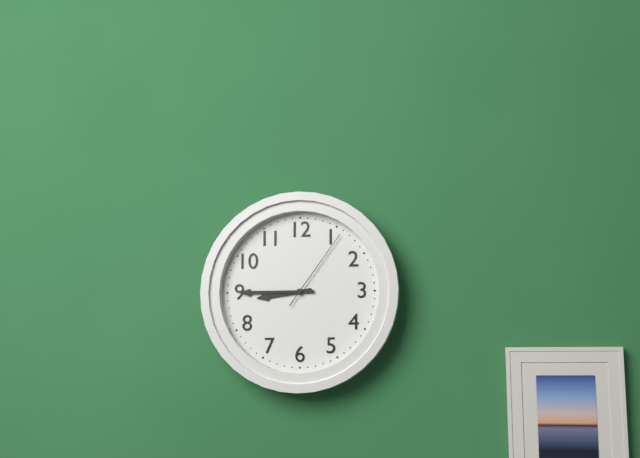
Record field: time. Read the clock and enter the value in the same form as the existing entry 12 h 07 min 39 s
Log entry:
8 h 45 min 06 s
